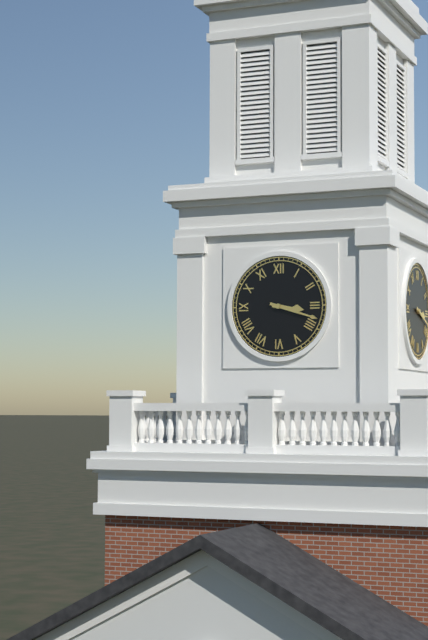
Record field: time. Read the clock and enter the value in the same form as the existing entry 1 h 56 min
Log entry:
3 h 18 min
